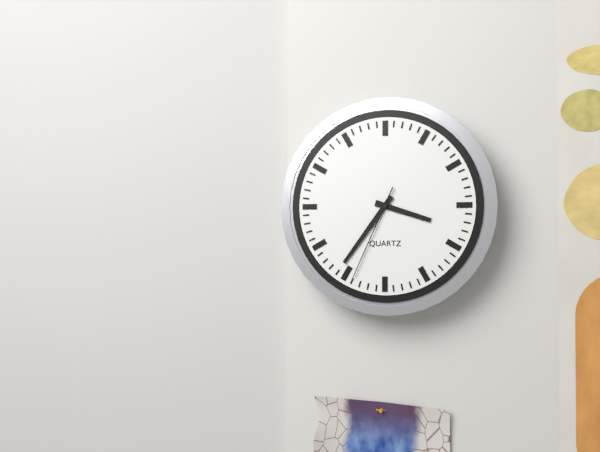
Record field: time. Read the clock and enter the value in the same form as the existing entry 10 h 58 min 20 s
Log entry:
3 h 36 min 34 s
